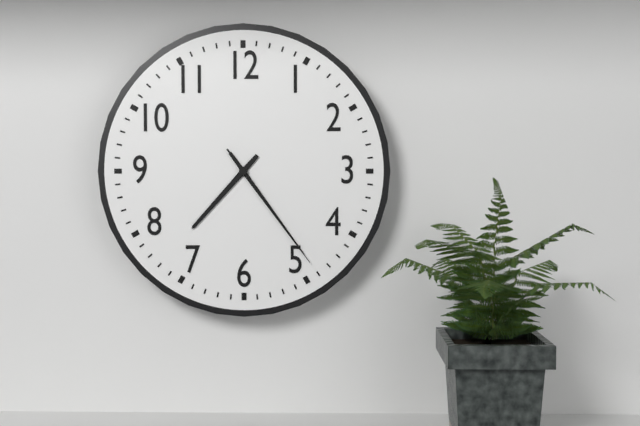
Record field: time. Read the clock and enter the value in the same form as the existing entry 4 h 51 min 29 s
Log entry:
7 h 24 min 24 s
